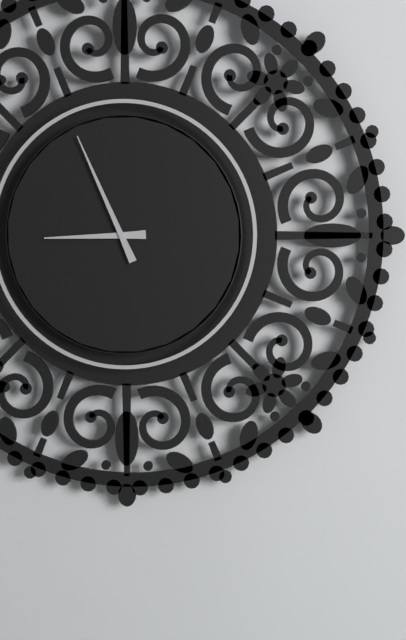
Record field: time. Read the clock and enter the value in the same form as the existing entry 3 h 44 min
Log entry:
8 h 56 min
